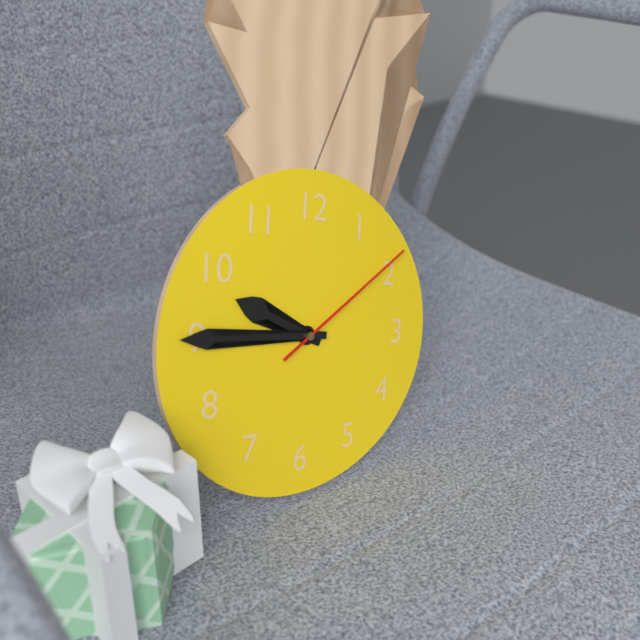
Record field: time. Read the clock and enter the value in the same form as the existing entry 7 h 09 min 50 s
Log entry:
9 h 45 min 09 s
